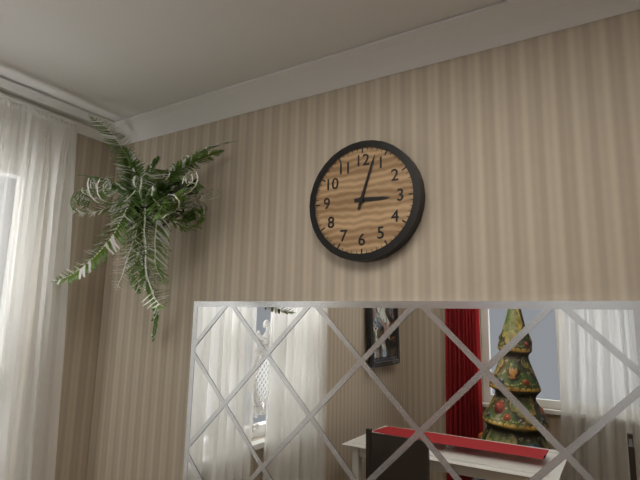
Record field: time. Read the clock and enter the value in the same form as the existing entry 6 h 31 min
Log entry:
3 h 03 min
